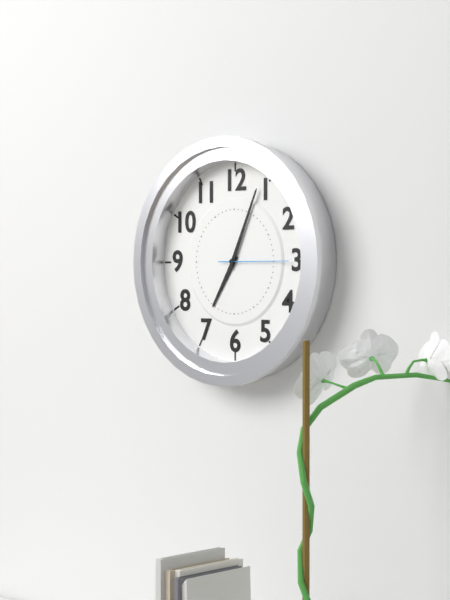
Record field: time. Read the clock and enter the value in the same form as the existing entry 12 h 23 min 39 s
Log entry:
7 h 04 min 15 s
